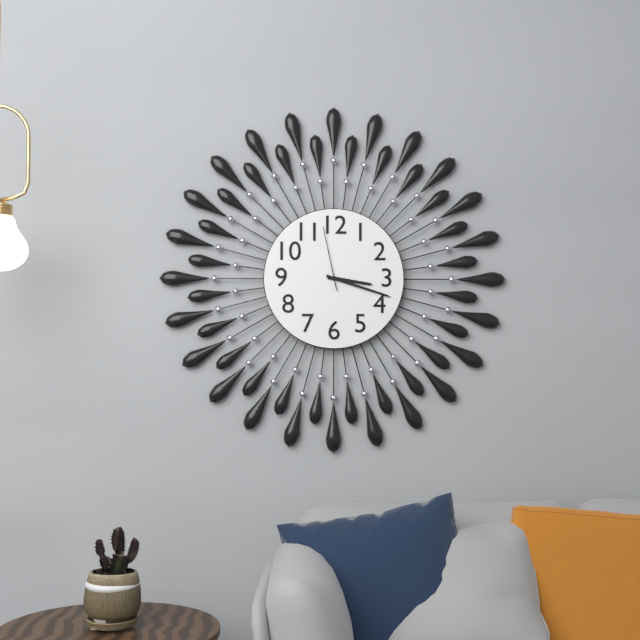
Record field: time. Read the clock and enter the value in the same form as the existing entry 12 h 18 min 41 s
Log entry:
3 h 18 min 58 s
